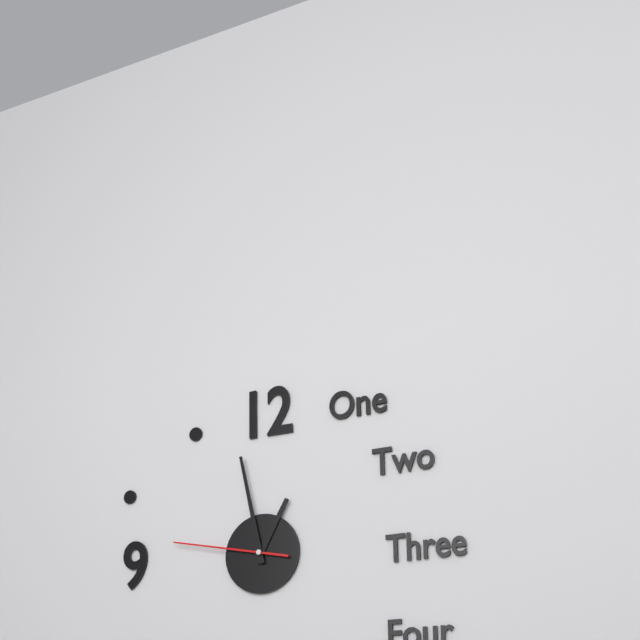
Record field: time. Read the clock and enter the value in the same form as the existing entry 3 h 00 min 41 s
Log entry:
12 h 58 min 47 s
